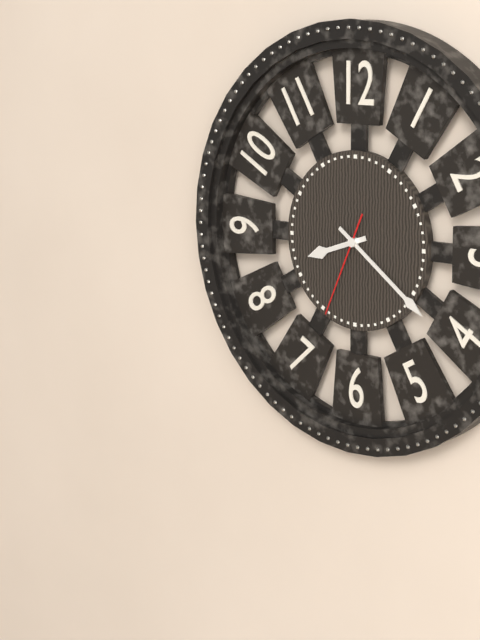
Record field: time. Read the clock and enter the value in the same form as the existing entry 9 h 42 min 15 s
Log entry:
8 h 21 min 34 s
